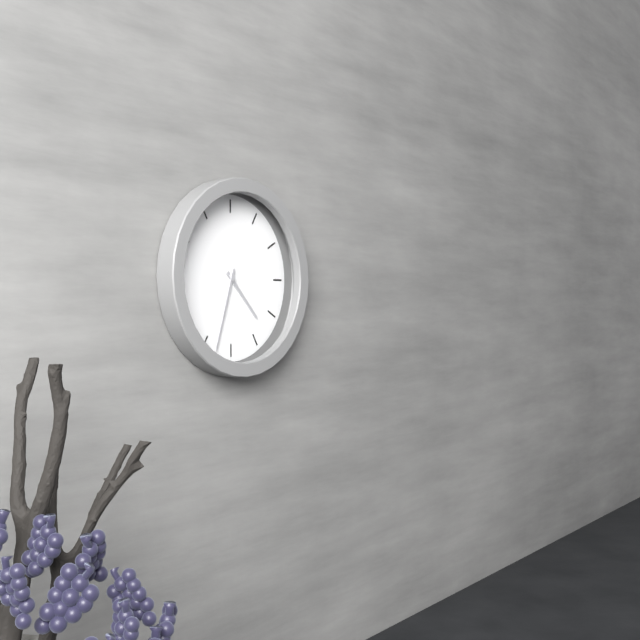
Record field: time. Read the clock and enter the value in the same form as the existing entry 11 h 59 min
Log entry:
4 h 33 min
